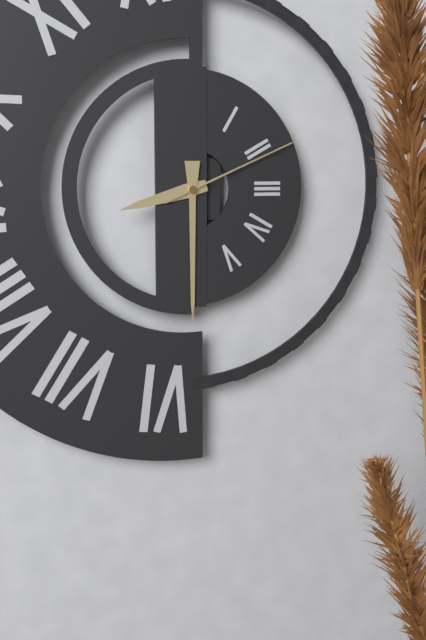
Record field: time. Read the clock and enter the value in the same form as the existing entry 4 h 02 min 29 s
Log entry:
8 h 30 min 11 s
